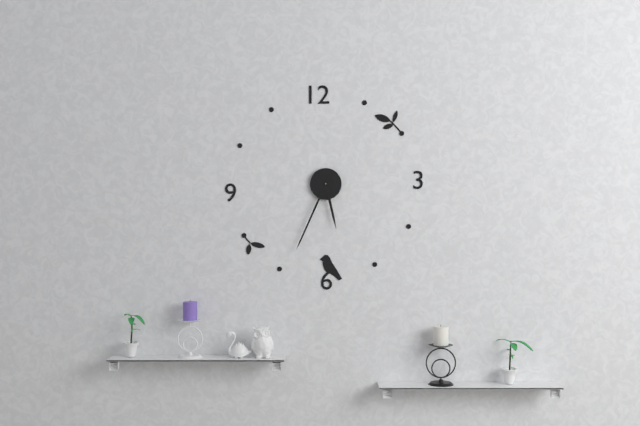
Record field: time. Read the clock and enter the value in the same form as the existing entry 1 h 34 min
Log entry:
5 h 34 min
